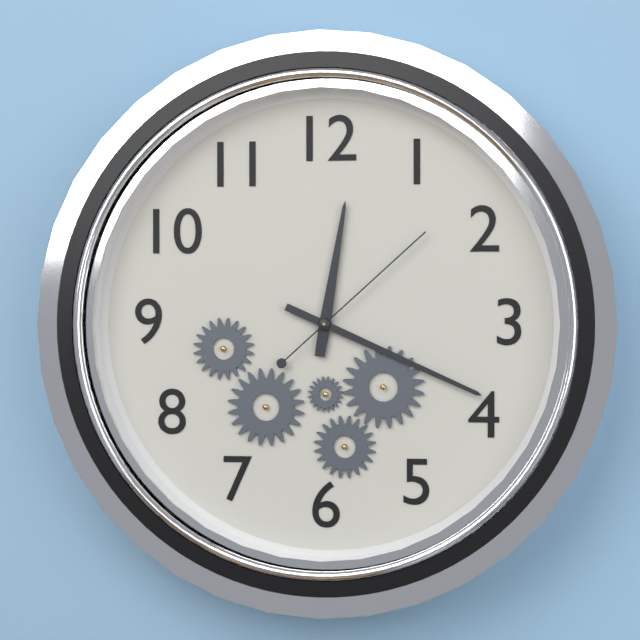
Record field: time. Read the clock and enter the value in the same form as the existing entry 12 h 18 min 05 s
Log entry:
12 h 19 min 08 s
